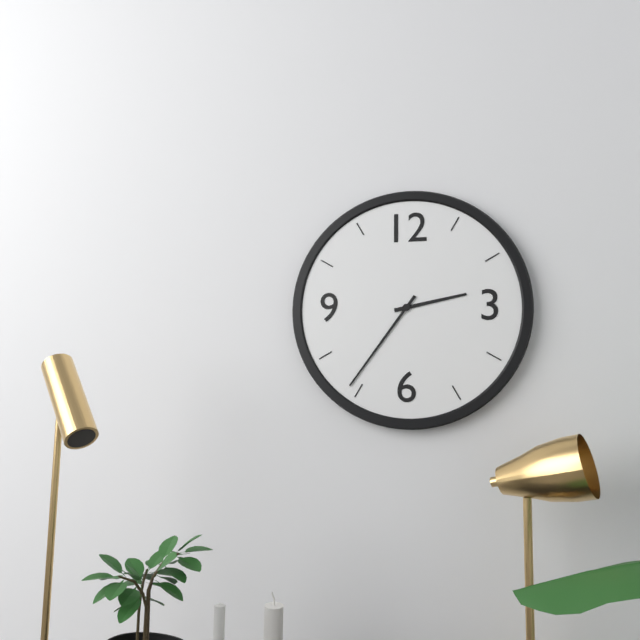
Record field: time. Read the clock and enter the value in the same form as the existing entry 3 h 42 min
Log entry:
2 h 36 min
